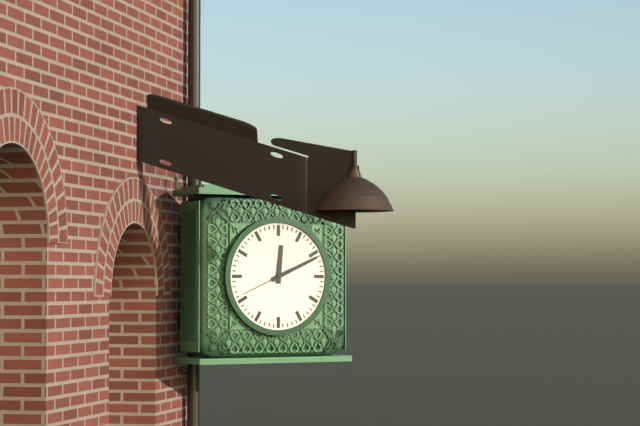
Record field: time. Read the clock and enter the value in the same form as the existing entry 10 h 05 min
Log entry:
12 h 11 min
